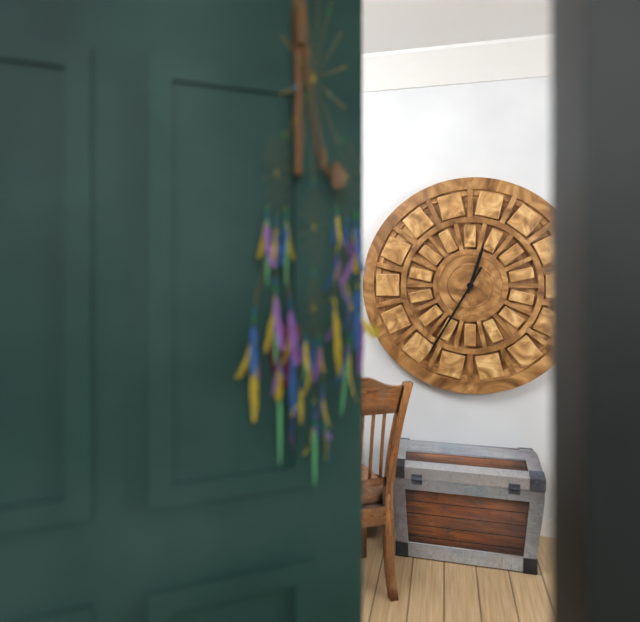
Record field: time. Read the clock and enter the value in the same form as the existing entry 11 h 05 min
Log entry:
12 h 35 min
